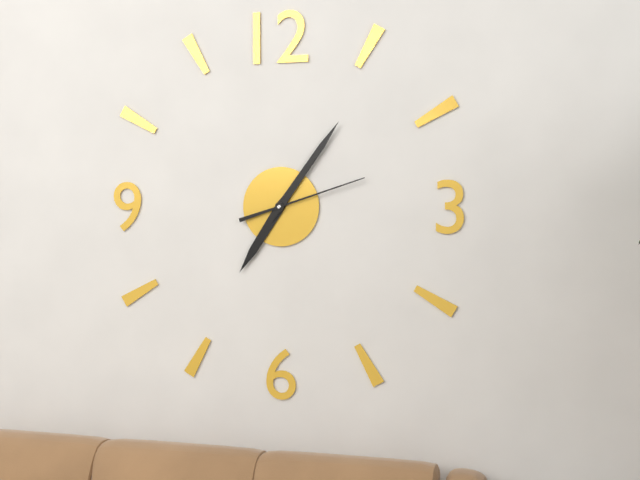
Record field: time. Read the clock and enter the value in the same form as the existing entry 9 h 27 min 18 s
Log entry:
7 h 06 min 12 s
